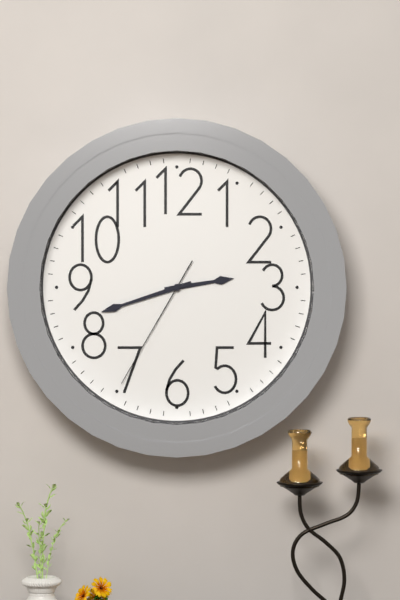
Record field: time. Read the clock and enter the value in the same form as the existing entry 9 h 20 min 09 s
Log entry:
2 h 42 min 35 s
